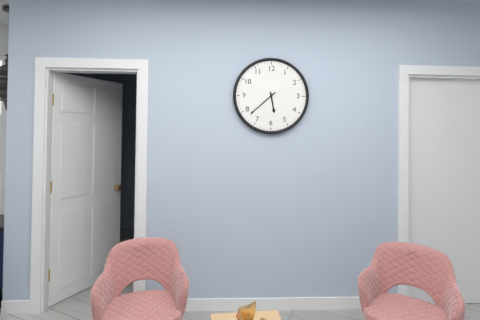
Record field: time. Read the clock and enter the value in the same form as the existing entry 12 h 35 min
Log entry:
5 h 38 min
